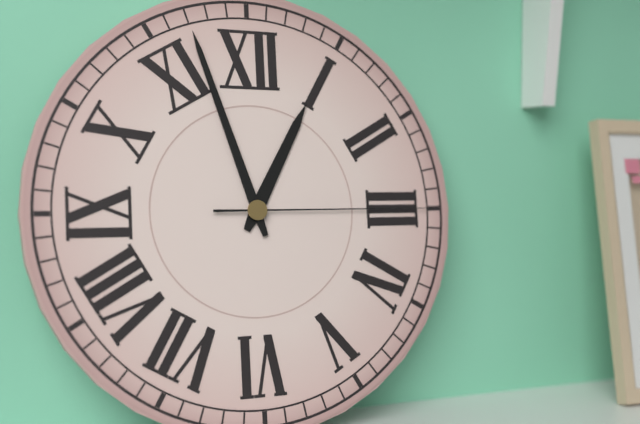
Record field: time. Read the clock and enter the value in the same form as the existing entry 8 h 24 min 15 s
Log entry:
12 h 57 min 15 s
